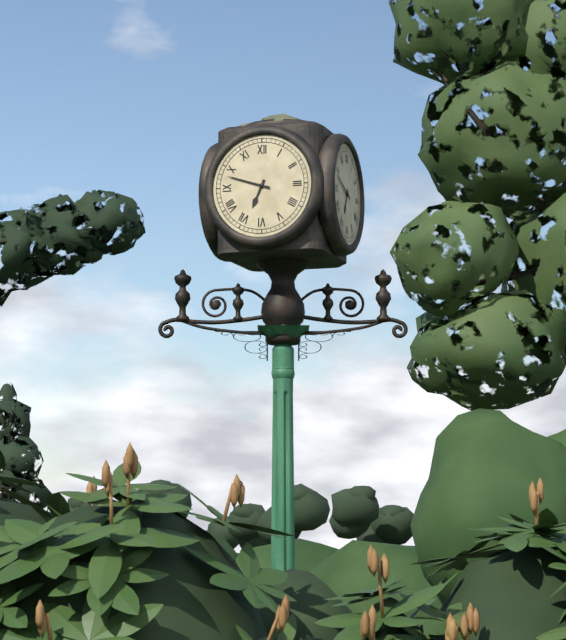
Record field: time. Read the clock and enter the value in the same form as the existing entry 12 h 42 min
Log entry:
6 h 48 min
